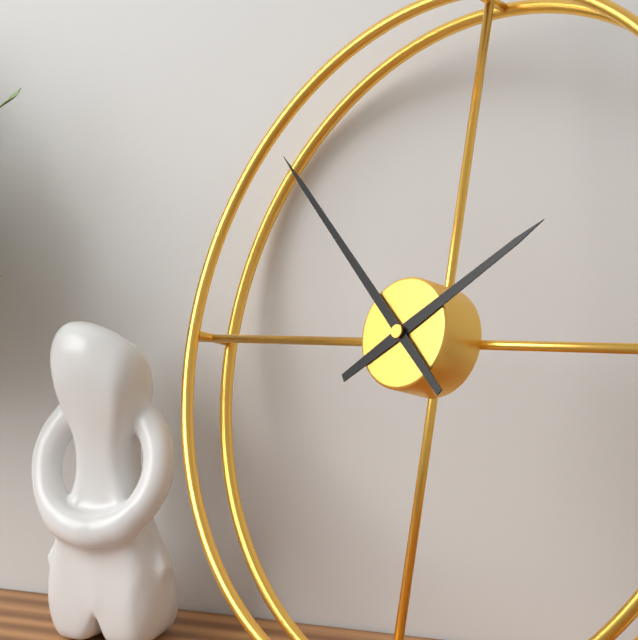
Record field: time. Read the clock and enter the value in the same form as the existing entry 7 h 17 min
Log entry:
1 h 52 min
